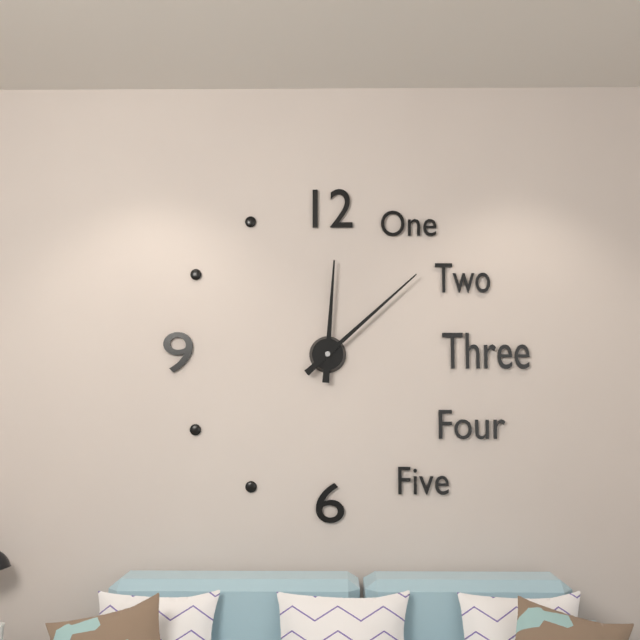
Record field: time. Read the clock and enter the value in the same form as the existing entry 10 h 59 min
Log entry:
12 h 08 min
